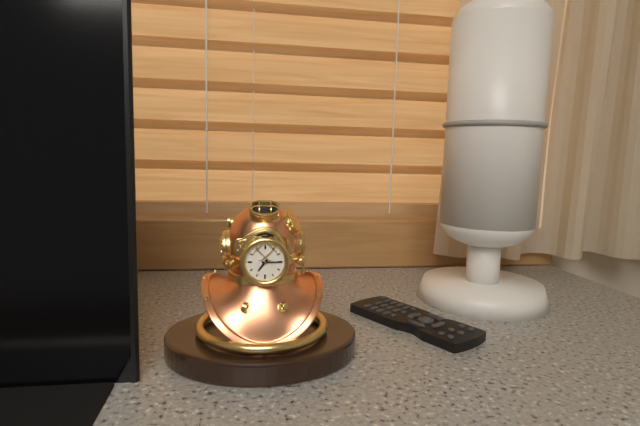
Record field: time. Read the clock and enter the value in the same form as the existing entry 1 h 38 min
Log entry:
7 h 15 min
